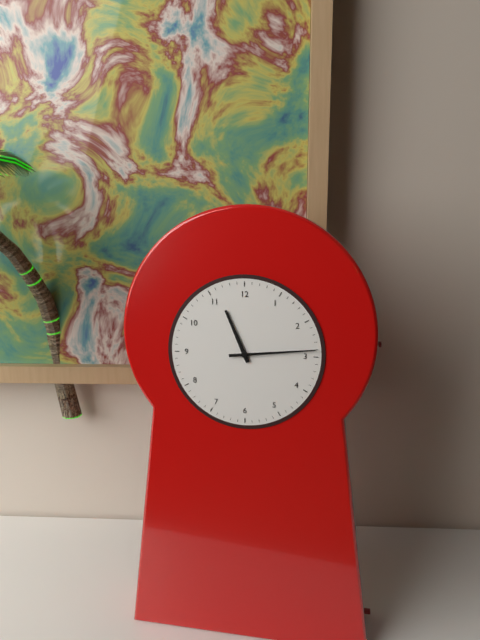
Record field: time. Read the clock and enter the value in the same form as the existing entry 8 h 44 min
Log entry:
11 h 14 min
